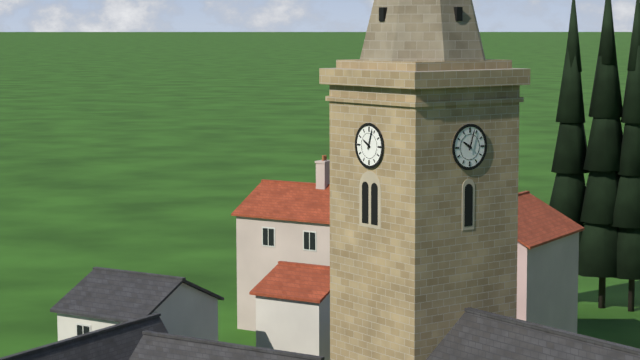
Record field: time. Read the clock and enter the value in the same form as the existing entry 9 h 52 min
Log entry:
10 h 03 min
